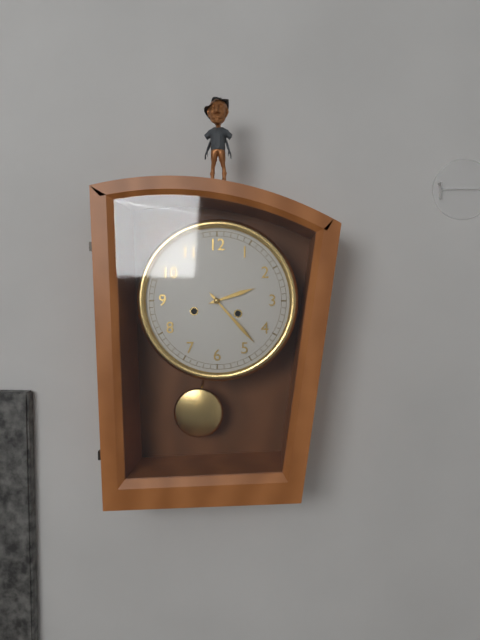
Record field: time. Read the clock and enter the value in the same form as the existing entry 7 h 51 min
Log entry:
2 h 23 min
